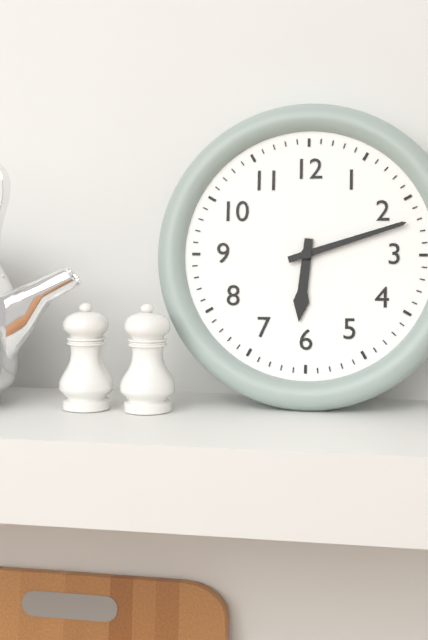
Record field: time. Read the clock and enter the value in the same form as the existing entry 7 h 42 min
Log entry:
6 h 12 min
